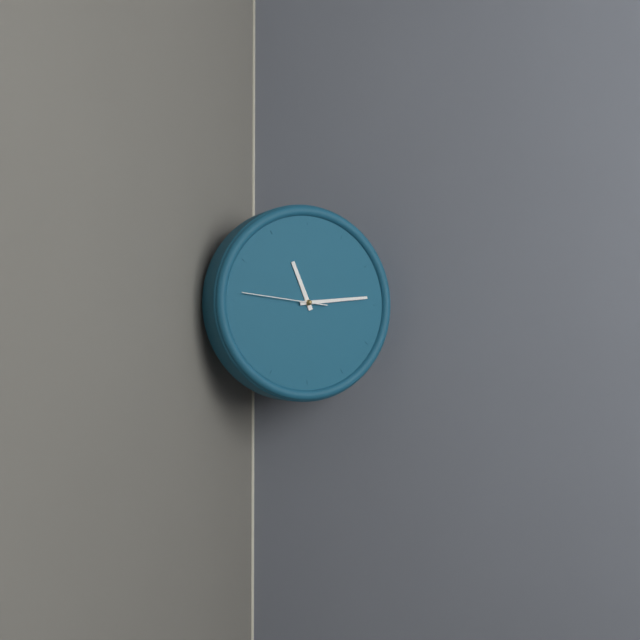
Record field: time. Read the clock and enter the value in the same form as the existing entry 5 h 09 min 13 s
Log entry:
11 h 14 min 46 s
